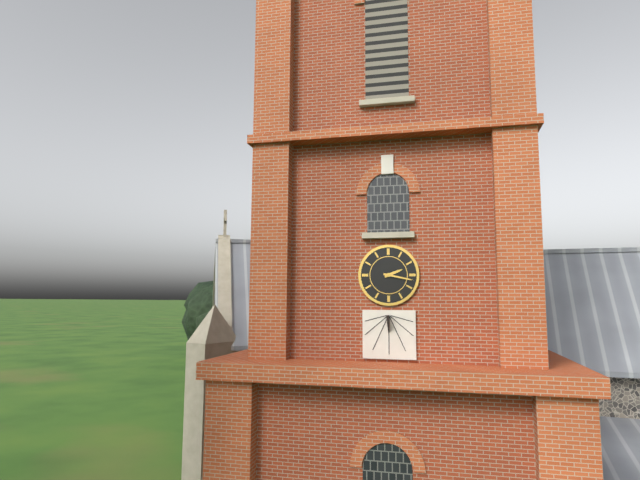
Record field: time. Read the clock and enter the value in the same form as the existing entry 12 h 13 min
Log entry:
2 h 17 min
